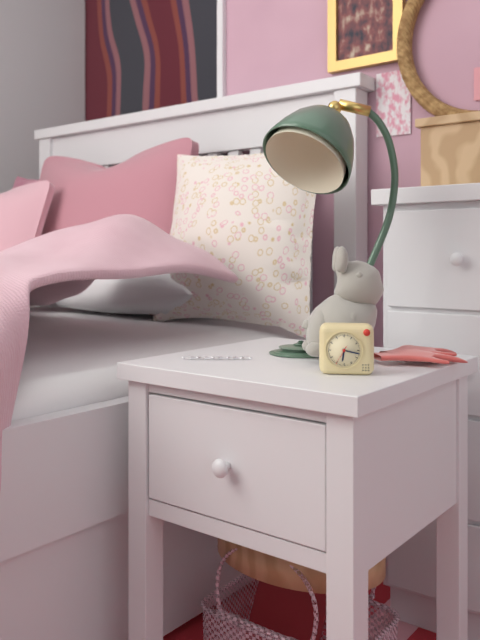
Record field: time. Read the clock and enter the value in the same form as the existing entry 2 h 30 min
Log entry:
6 h 17 min
